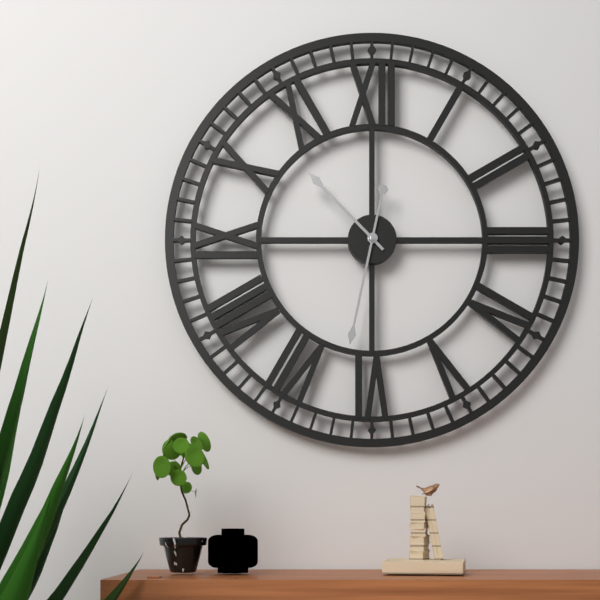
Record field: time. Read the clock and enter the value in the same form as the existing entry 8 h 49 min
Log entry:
10 h 32 min
